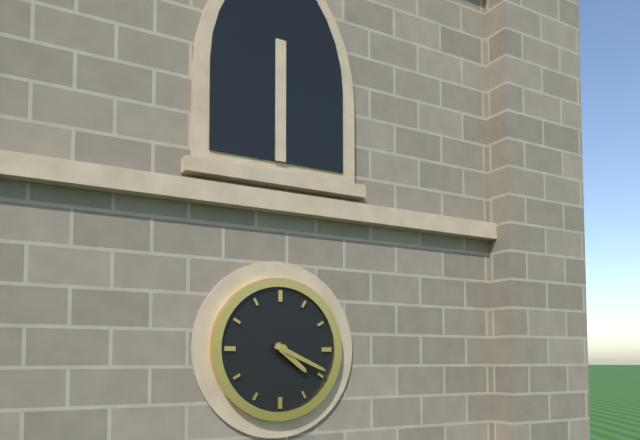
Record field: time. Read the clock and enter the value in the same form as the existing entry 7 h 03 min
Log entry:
4 h 19 min
